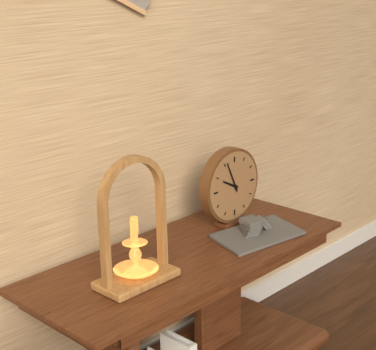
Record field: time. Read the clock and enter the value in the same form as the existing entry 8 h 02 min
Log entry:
9 h 56 min
